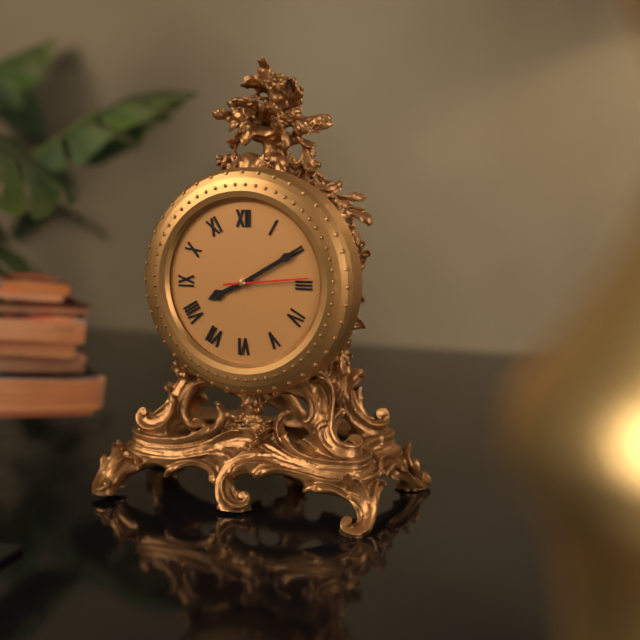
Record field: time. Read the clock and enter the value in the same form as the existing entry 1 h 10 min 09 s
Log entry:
8 h 10 min 14 s
